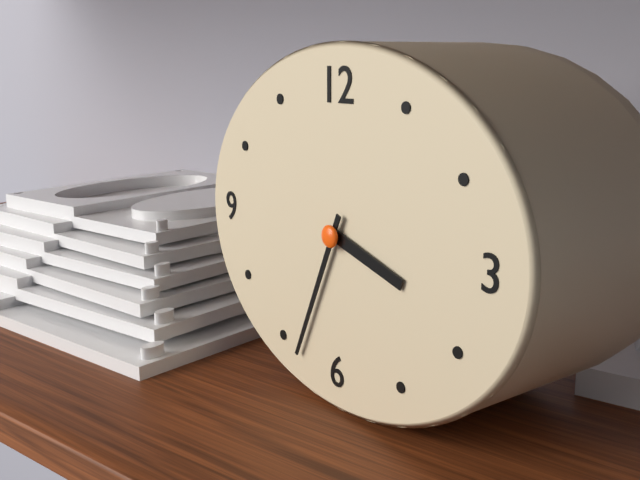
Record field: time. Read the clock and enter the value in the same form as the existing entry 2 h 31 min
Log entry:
3 h 34 min
